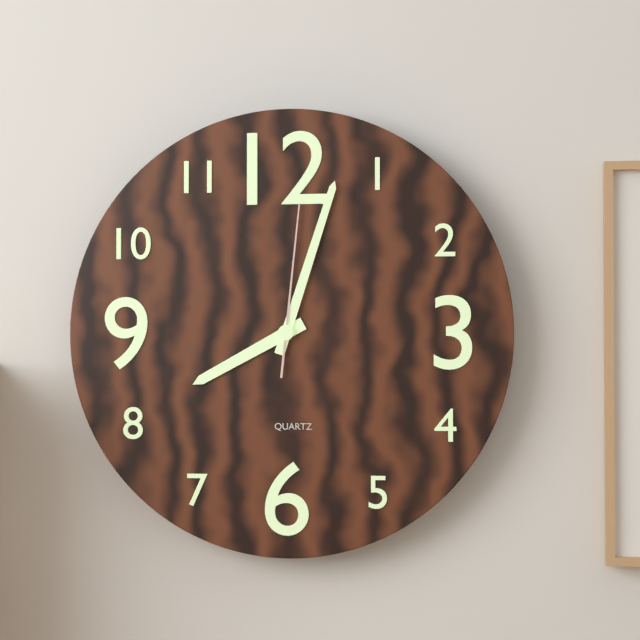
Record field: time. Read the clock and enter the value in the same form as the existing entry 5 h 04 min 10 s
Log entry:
8 h 03 min 01 s
